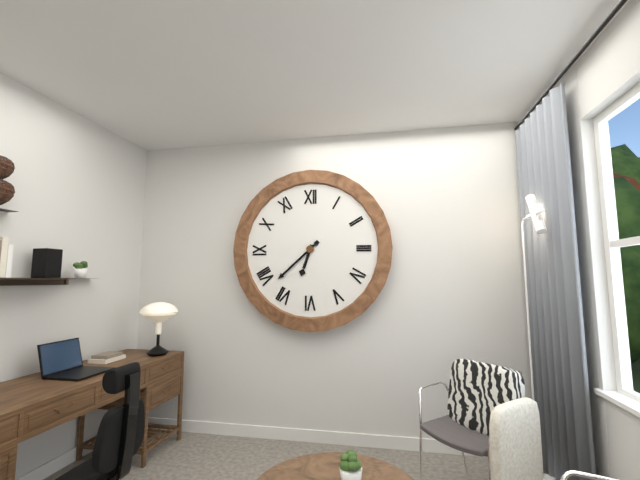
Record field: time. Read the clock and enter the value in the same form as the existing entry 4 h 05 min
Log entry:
6 h 38 min
